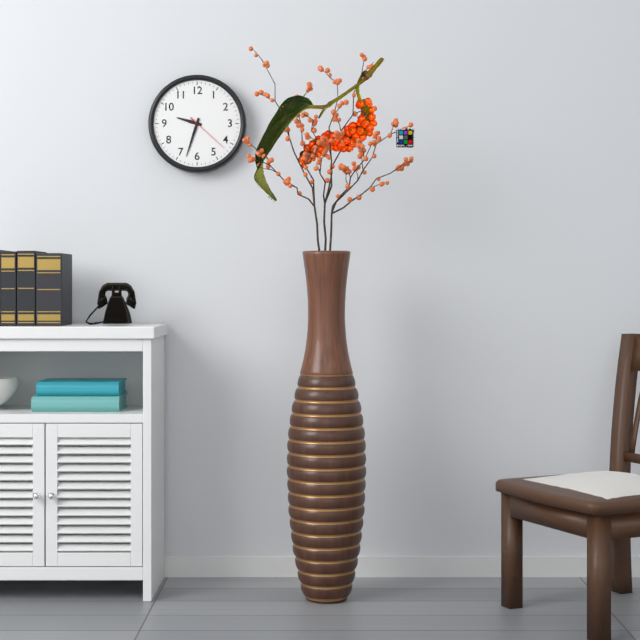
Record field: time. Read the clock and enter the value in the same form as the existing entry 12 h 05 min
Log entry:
9 h 33 min
